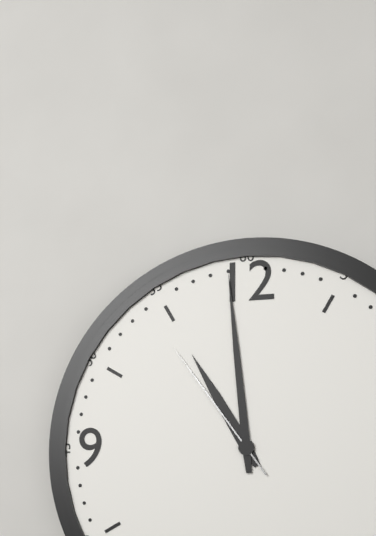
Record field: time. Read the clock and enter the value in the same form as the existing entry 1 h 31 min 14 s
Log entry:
10 h 59 min 54 s
